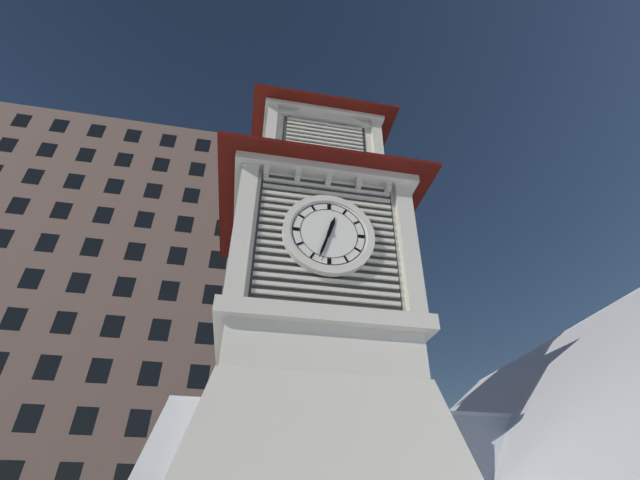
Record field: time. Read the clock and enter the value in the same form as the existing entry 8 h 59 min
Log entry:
12 h 33 min
